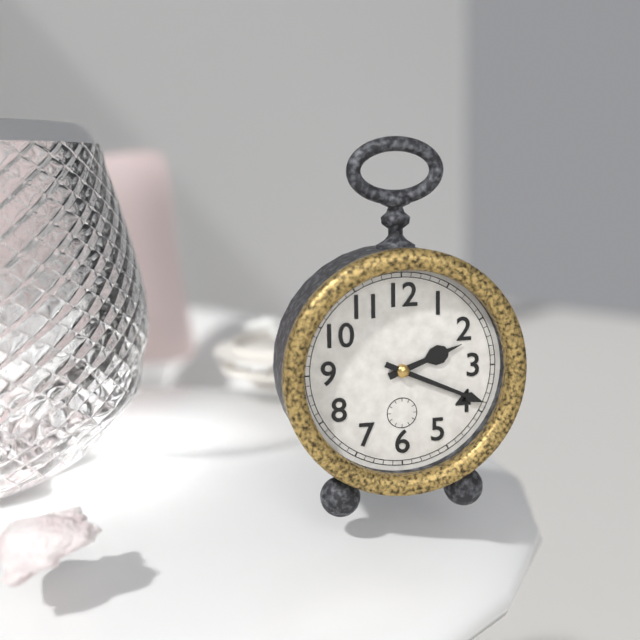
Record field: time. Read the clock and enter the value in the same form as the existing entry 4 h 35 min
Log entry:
2 h 19 min
